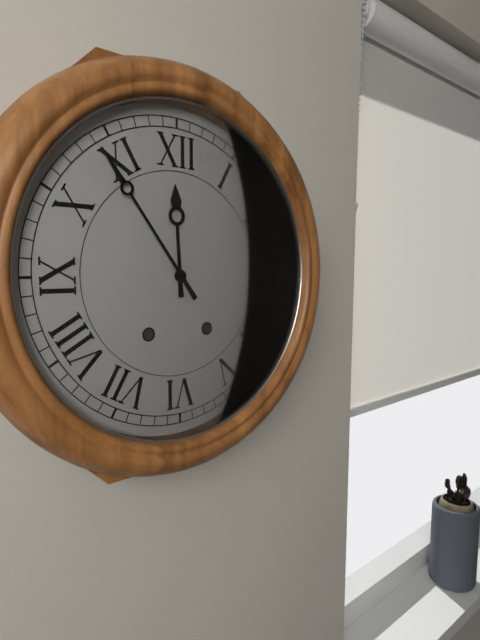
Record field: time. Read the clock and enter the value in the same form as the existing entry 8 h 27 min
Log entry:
11 h 54 min
